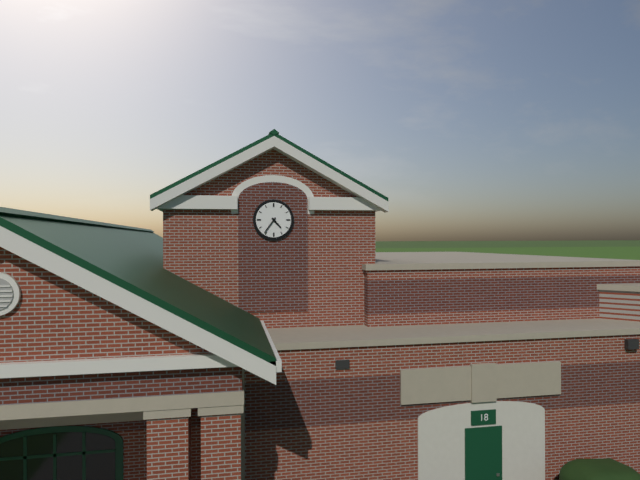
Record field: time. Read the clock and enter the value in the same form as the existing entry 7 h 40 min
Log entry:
4 h 36 min
